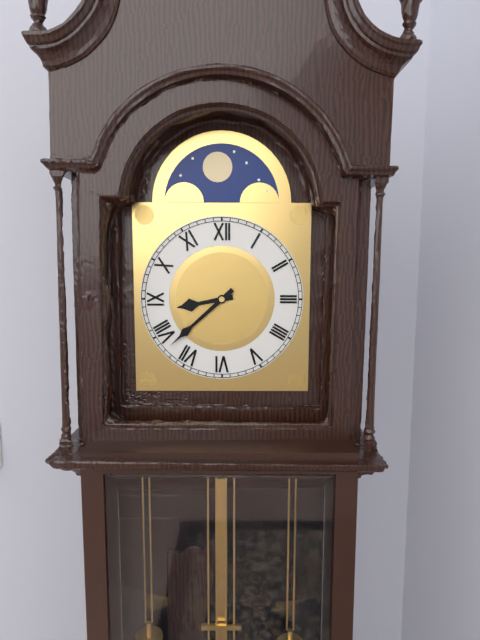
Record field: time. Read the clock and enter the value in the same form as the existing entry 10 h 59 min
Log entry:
8 h 38 min
